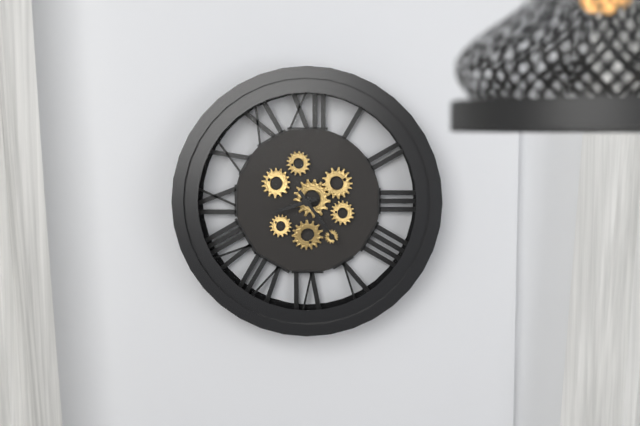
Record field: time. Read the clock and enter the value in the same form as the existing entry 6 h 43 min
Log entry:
8 h 24 min
